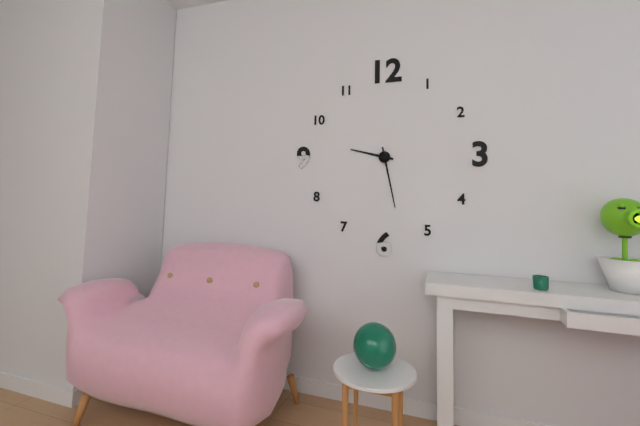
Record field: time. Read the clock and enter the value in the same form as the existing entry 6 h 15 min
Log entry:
9 h 28 min
